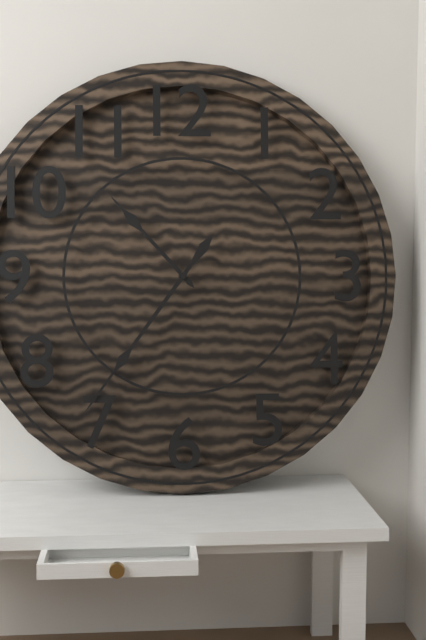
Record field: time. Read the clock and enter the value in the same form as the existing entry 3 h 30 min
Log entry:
10 h 36 min
